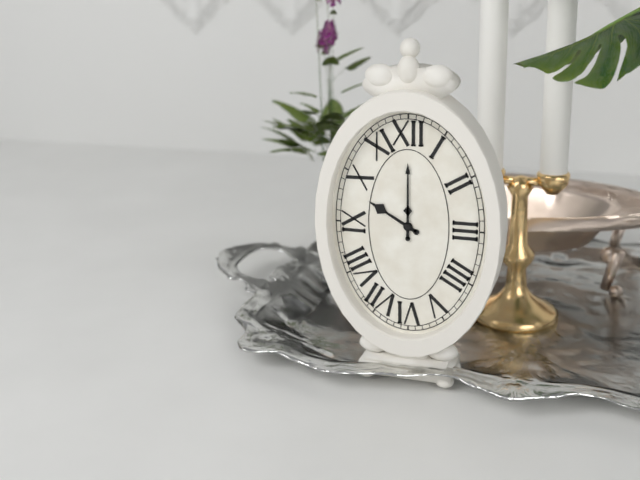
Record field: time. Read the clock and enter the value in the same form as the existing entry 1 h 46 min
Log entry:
10 h 00 min
